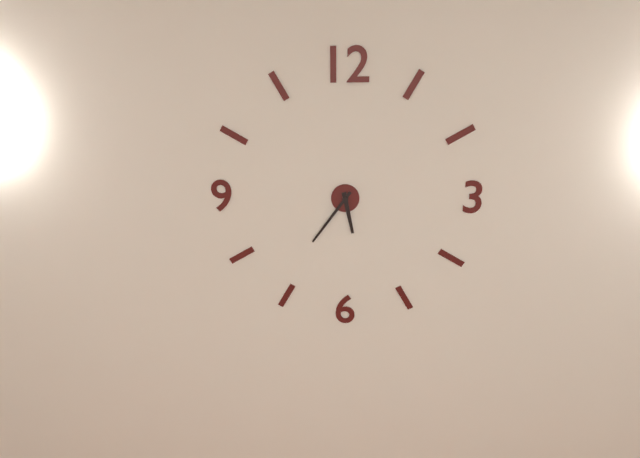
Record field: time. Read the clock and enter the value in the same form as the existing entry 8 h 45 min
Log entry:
5 h 36 min
